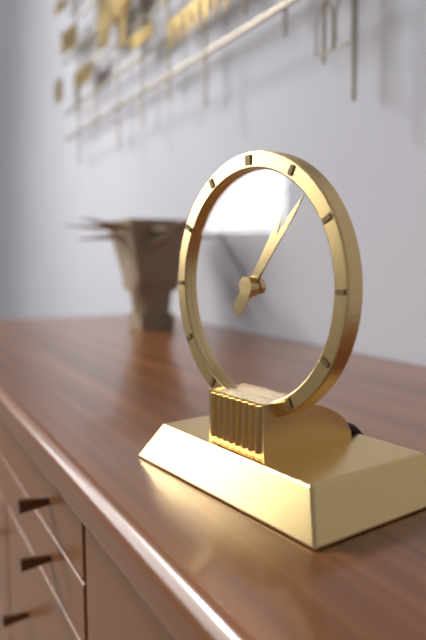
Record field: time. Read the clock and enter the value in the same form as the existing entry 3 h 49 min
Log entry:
1 h 07 min
